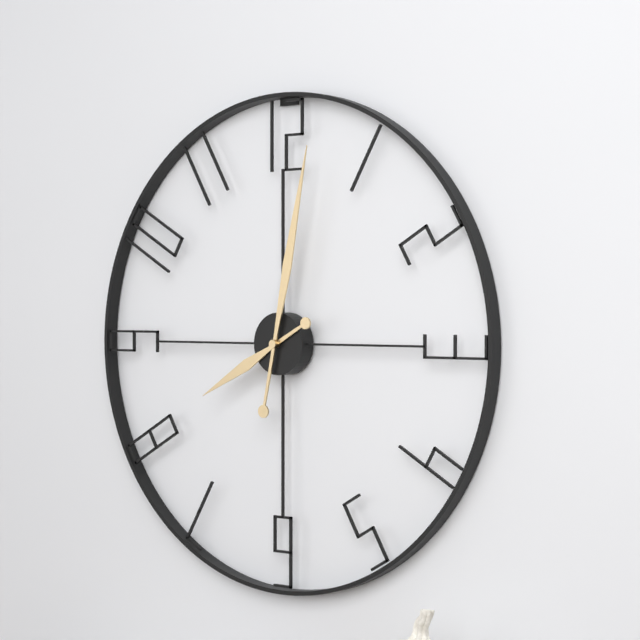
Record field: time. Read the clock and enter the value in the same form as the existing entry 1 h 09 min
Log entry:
8 h 02 min
